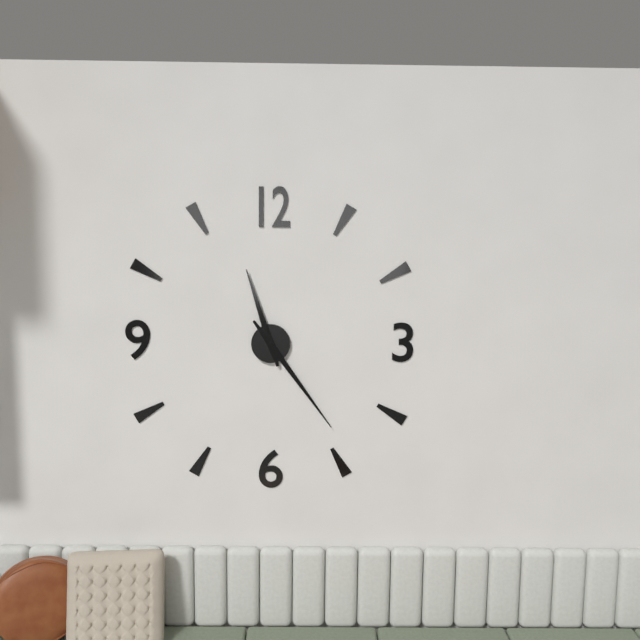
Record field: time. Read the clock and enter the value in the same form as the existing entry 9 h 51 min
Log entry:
11 h 24 min
